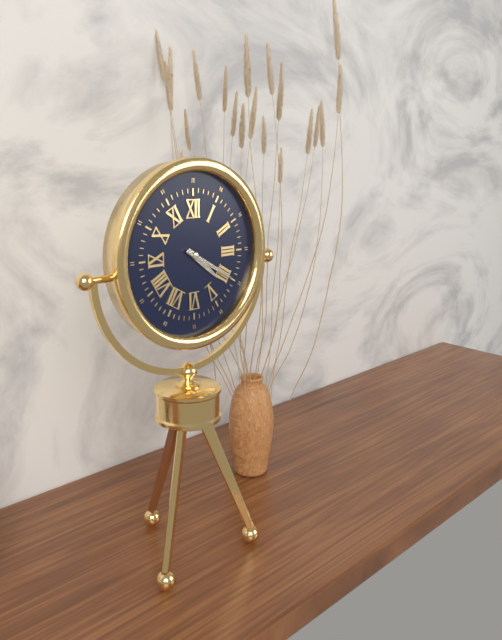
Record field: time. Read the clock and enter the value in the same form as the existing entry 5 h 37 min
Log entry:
4 h 20 min
